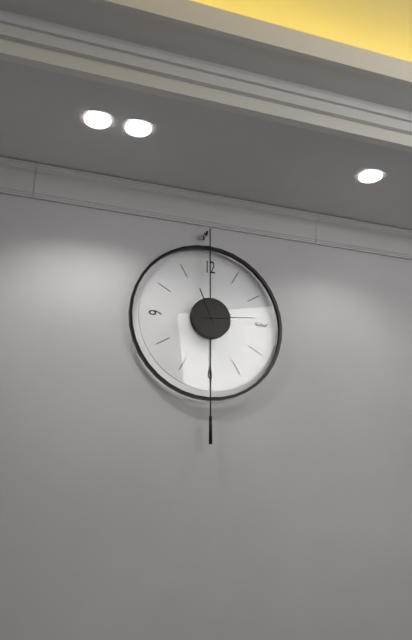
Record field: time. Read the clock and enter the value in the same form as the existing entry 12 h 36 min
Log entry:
11 h 14 min
